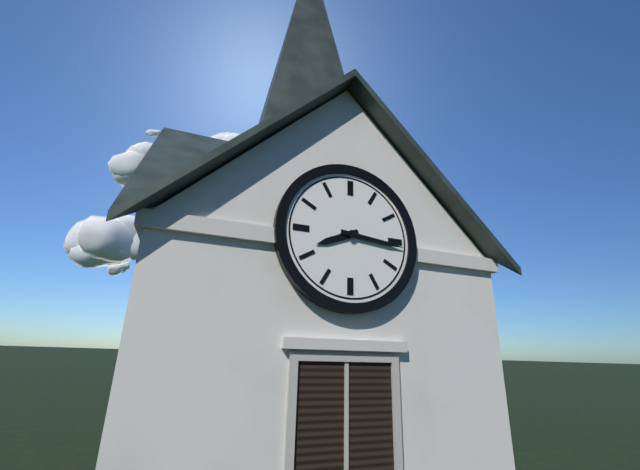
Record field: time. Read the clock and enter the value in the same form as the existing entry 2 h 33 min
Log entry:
8 h 16 min
